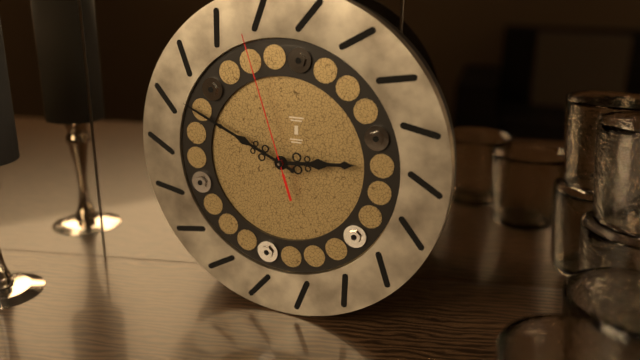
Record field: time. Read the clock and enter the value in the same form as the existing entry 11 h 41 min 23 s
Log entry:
2 h 49 min 57 s
